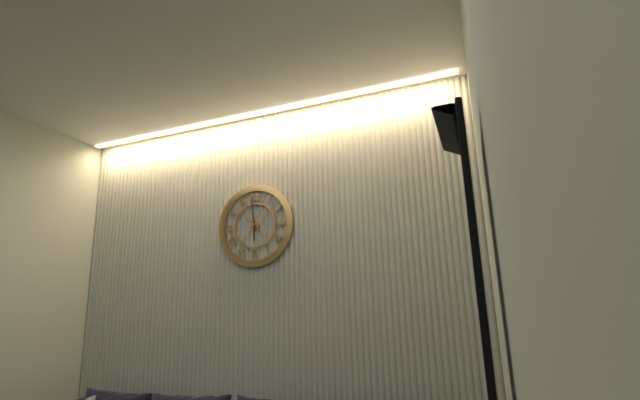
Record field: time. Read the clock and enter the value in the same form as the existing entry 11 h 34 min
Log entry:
5 h 59 min
